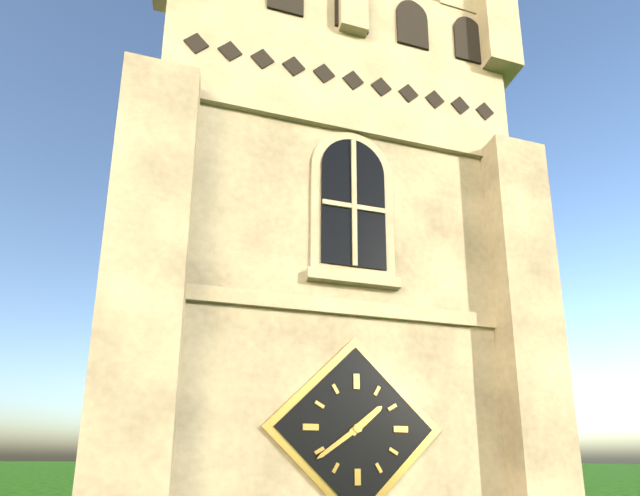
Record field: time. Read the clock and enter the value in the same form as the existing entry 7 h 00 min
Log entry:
1 h 39 min
